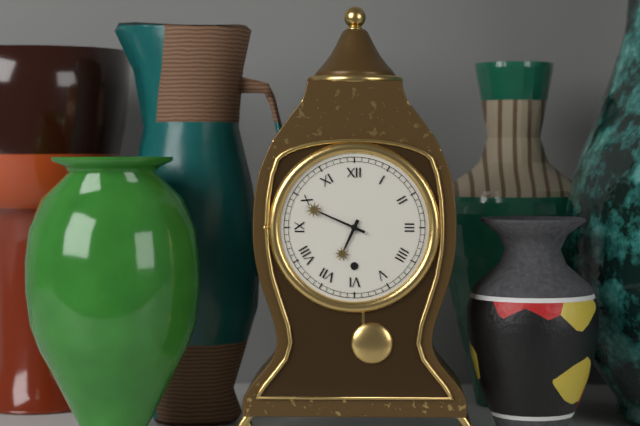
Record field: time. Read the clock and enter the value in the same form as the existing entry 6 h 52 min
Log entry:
6 h 49 min
